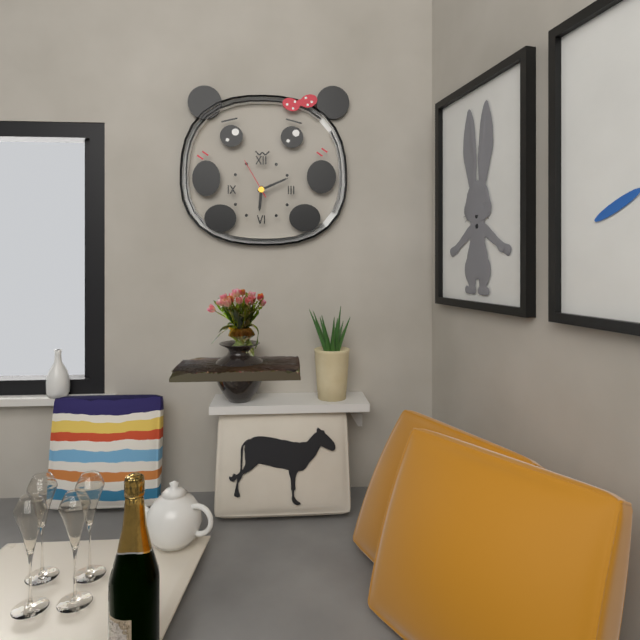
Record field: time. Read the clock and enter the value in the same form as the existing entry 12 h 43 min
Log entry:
6 h 11 min
